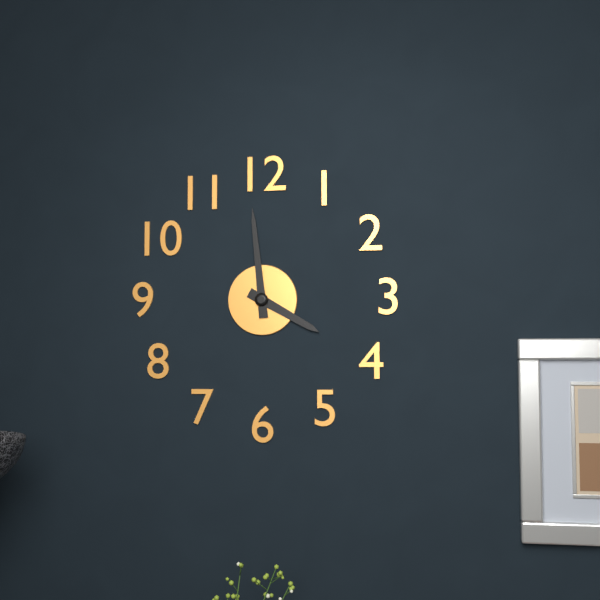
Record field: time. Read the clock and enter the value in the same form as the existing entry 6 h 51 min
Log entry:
3 h 59 min
